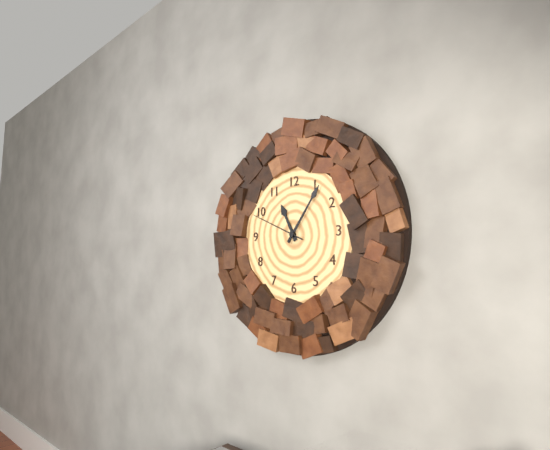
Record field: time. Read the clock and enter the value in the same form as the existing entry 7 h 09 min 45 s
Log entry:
11 h 06 min 49 s
